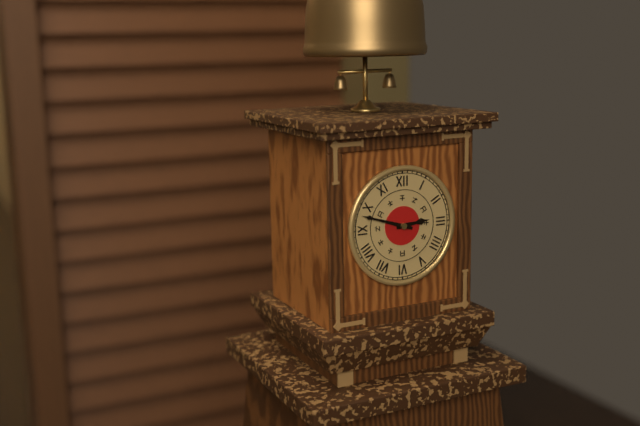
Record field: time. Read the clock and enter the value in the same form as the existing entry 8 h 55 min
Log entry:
2 h 48 min
